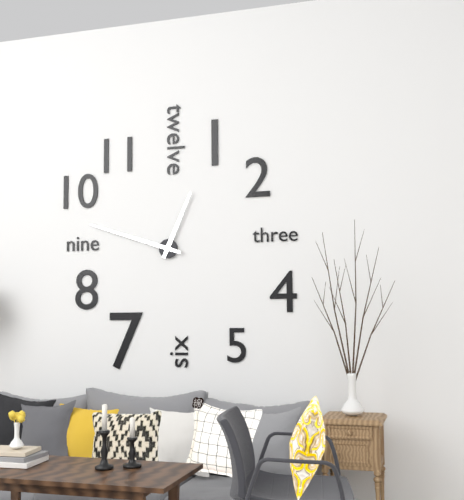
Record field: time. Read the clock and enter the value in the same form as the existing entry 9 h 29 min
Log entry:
12 h 48 min
